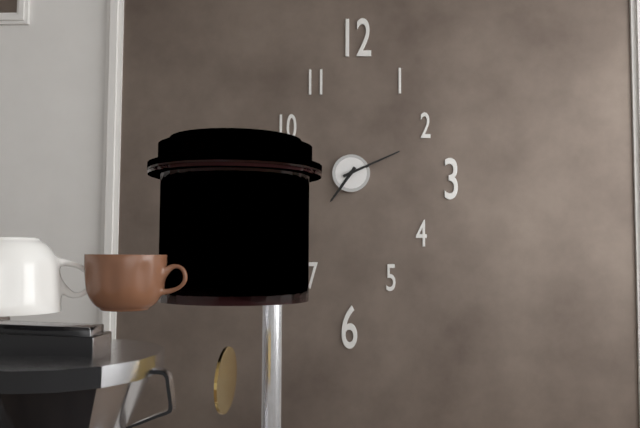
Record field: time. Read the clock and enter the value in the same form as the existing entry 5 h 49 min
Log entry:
7 h 11 min
